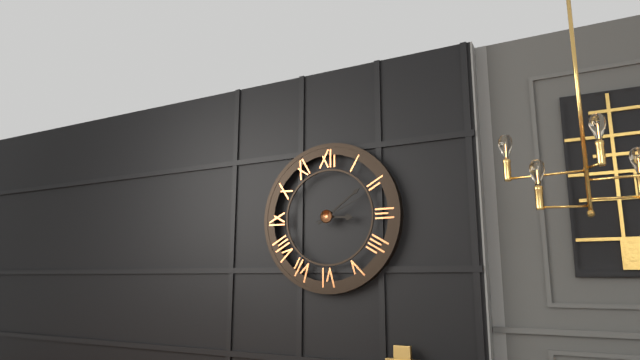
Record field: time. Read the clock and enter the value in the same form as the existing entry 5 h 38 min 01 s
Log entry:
3 h 09 min 11 s
